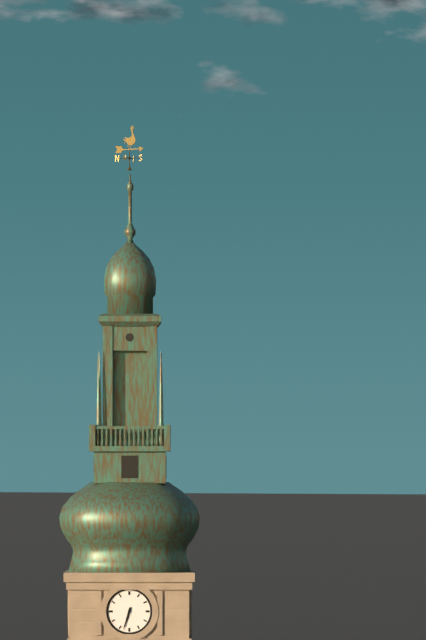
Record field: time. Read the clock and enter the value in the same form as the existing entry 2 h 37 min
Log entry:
6 h 33 min
